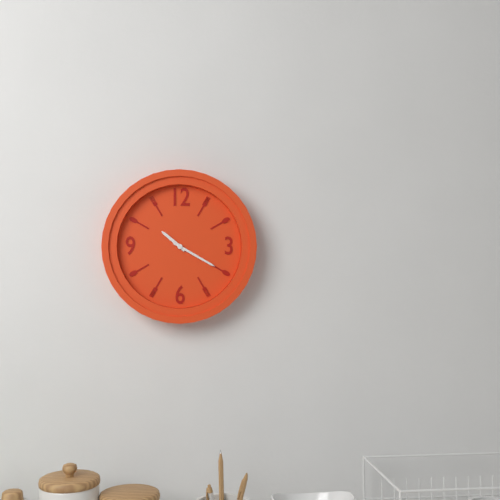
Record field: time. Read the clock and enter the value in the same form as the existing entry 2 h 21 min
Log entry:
10 h 20 min
